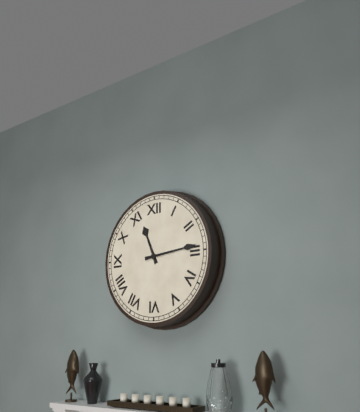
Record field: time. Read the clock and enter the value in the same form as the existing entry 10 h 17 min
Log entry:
11 h 14 min
